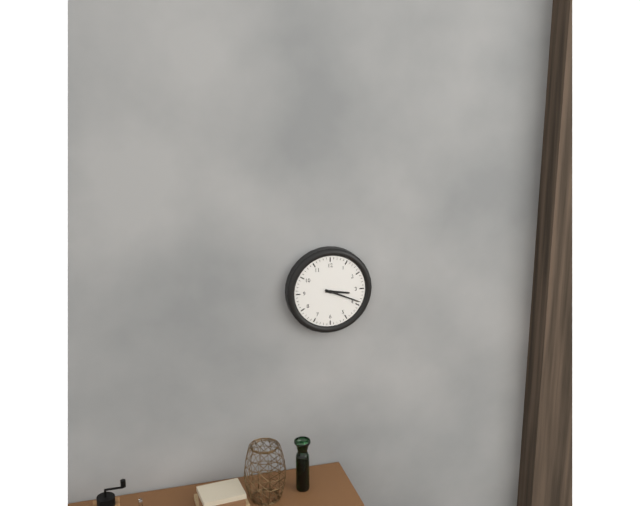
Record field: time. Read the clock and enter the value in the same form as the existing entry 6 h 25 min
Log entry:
3 h 19 min
